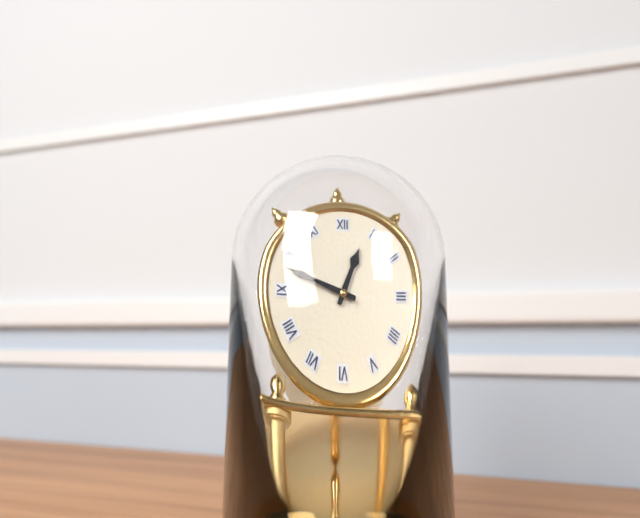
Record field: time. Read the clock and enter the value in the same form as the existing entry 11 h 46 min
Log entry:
12 h 48 min
